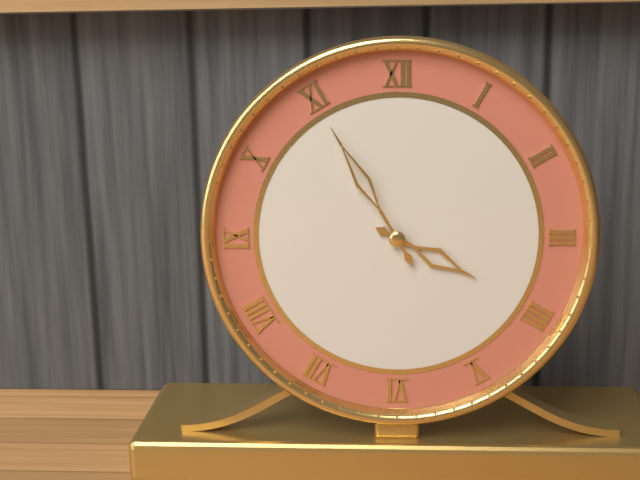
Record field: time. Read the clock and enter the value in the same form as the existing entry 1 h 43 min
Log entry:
3 h 55 min
